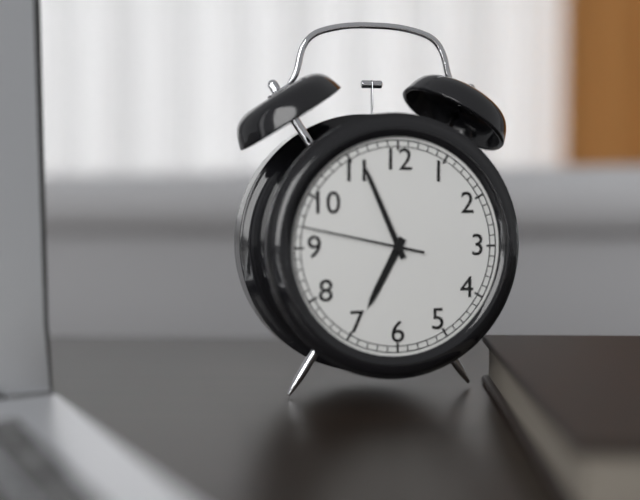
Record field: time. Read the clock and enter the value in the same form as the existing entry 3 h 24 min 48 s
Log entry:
6 h 56 min 47 s
